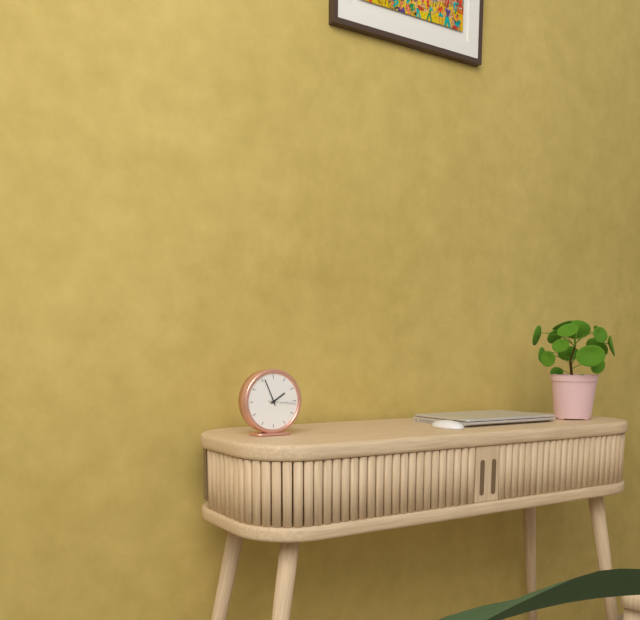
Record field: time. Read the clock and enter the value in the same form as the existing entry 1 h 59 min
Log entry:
1 h 56 min
